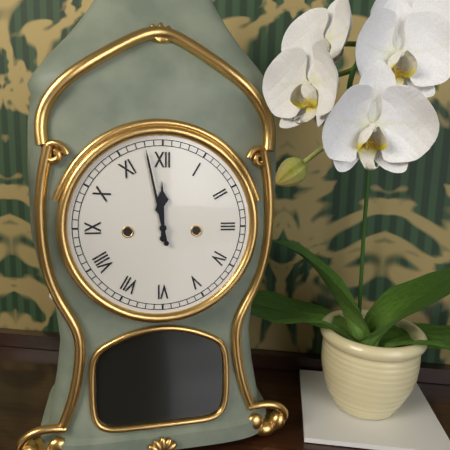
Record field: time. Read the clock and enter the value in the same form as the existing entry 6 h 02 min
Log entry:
11 h 58 min
